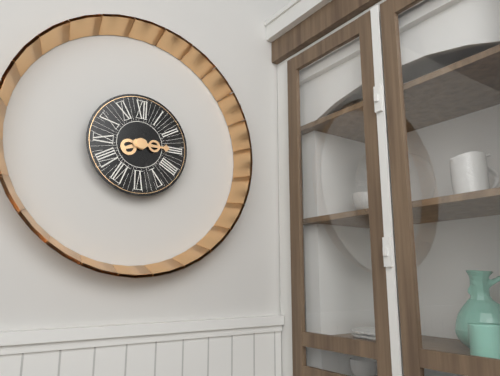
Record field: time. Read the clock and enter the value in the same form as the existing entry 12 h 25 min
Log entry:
8 h 15 min
